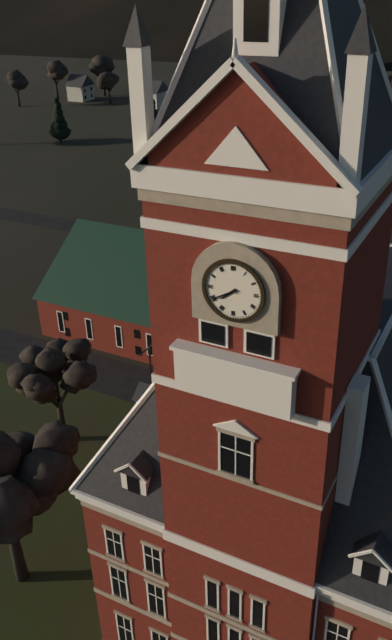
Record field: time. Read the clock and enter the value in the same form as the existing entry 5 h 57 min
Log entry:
7 h 40 min
